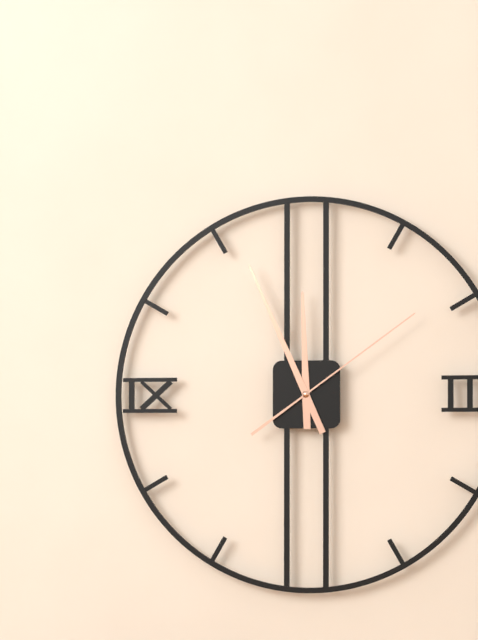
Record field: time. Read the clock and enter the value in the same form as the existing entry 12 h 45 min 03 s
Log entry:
11 h 56 min 09 s
